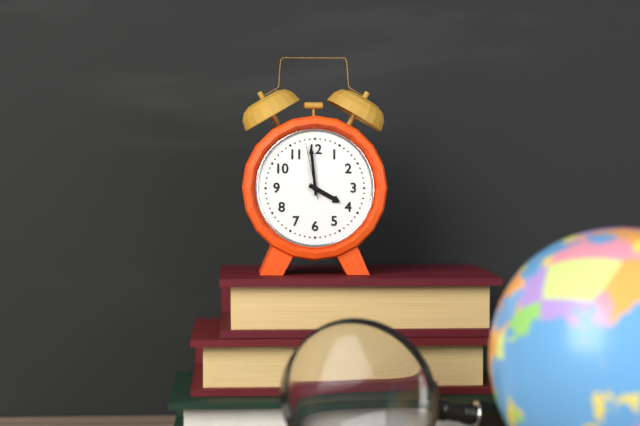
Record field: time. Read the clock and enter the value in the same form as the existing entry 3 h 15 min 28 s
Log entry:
3 h 59 min 58 s
